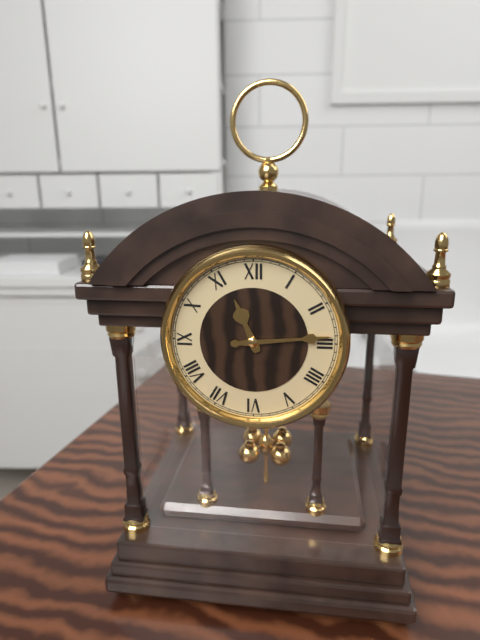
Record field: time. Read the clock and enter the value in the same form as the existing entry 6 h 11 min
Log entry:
11 h 14 min
